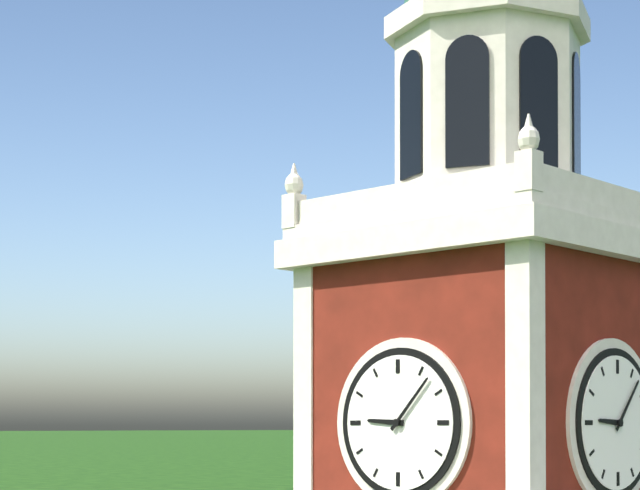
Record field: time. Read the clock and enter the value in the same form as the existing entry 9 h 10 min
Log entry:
9 h 07 min
